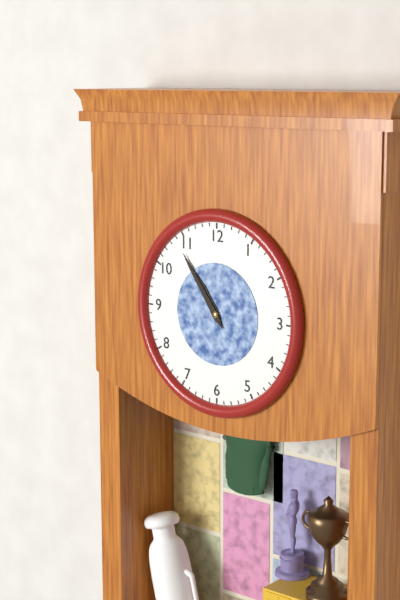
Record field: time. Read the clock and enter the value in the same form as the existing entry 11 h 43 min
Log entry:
10 h 54 min
